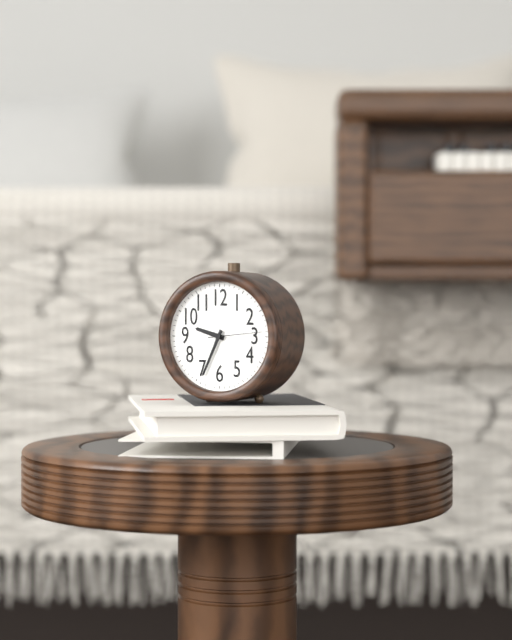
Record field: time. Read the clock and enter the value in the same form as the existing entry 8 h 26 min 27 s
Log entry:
9 h 34 min 14 s
